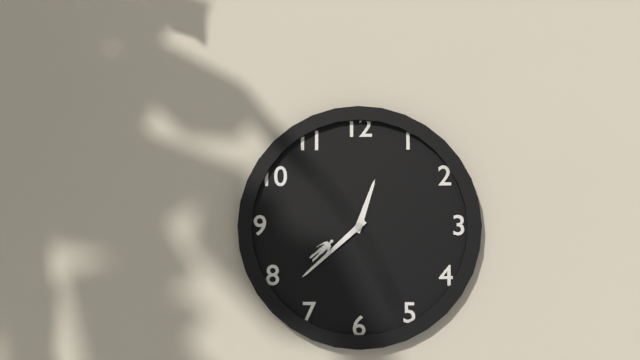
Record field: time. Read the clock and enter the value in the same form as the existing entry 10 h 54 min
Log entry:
12 h 38 min
